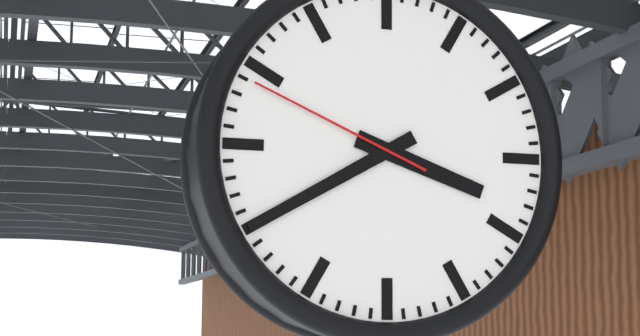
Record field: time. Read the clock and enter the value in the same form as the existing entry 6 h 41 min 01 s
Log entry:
3 h 40 min 49 s
